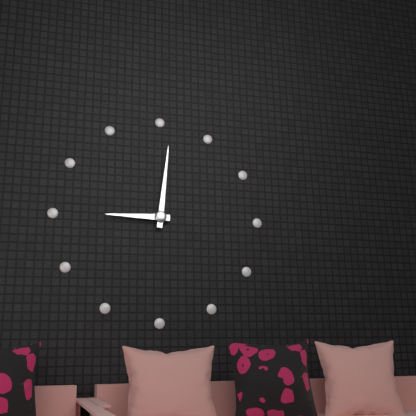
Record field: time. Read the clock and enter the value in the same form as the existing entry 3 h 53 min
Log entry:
9 h 01 min
